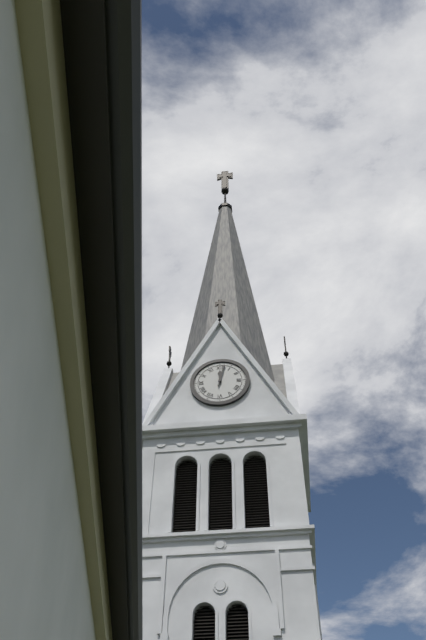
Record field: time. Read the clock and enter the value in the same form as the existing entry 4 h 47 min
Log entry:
12 h 02 min
